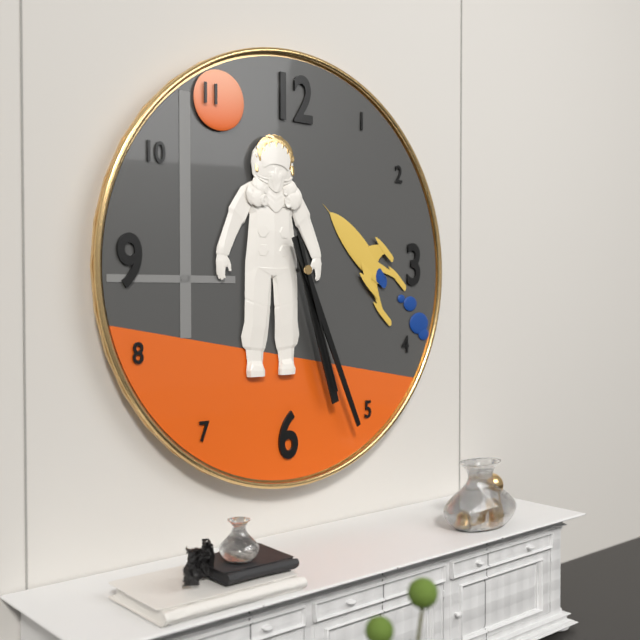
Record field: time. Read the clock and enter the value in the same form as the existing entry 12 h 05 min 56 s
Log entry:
5 h 26 min 27 s
